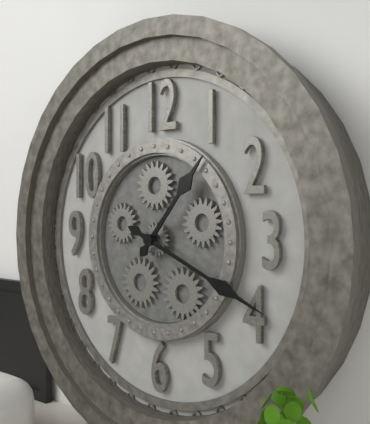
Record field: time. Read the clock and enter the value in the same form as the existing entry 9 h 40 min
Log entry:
1 h 19 min
